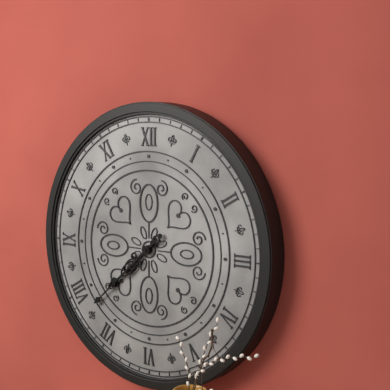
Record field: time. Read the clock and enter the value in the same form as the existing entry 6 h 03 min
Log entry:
7 h 38 min
